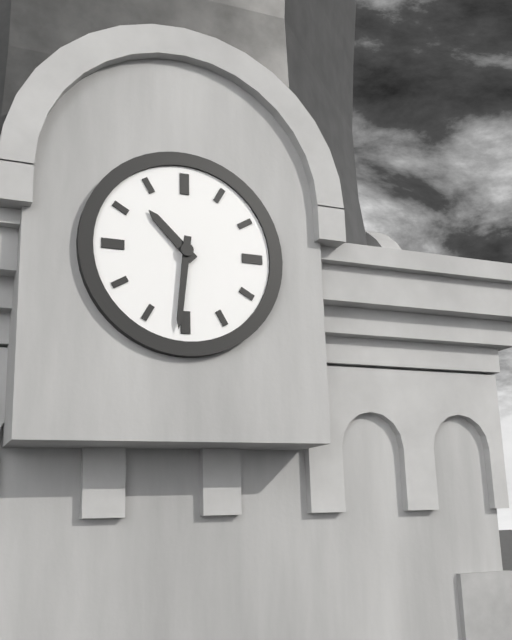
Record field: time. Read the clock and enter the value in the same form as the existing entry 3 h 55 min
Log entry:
10 h 31 min
